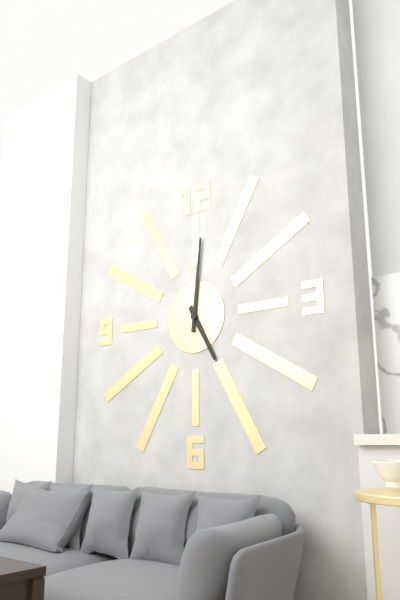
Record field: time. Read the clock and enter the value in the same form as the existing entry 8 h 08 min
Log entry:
5 h 01 min
